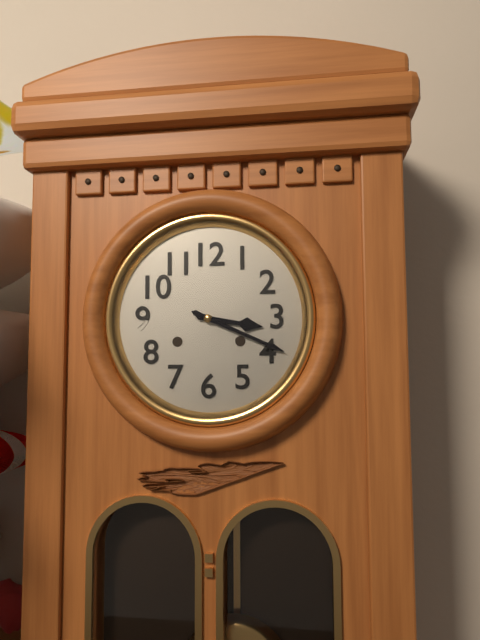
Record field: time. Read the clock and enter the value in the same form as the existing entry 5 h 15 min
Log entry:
3 h 19 min
